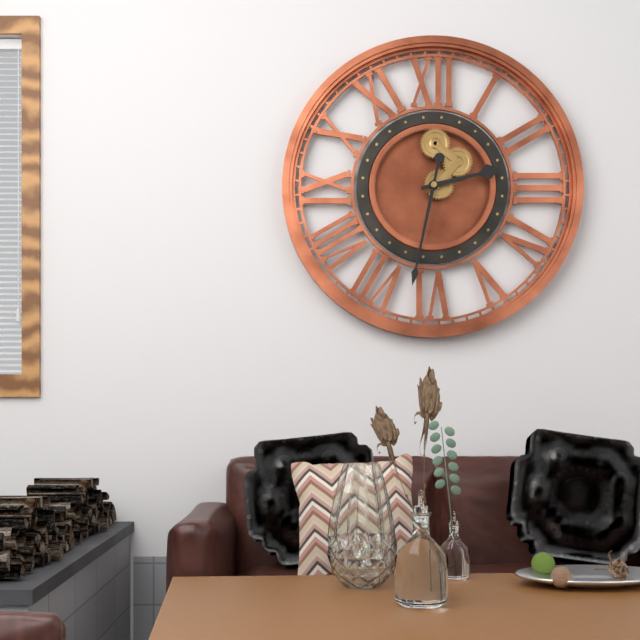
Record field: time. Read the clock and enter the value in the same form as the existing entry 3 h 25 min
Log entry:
2 h 32 min
